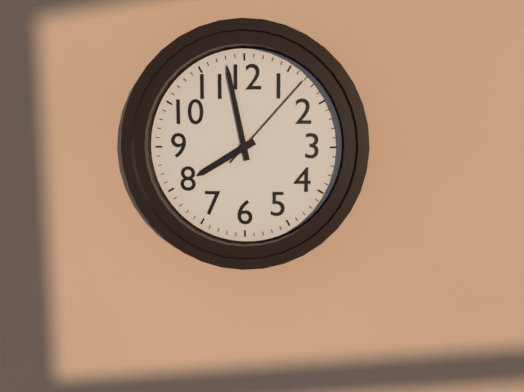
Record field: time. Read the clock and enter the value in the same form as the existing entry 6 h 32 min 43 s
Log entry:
7 h 58 min 07 s
